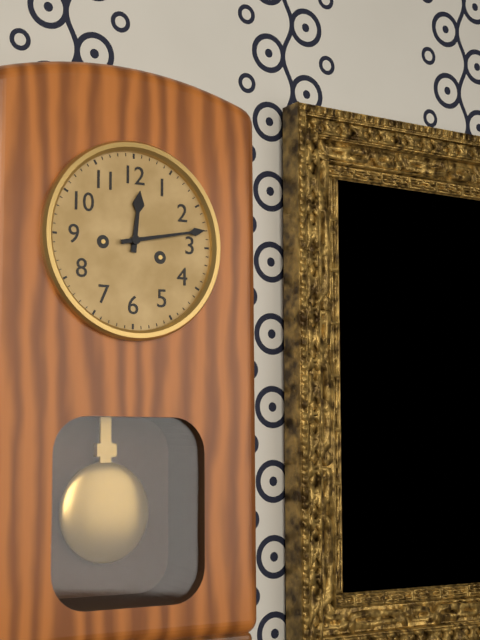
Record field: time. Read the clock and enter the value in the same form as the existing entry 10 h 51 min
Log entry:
12 h 13 min
